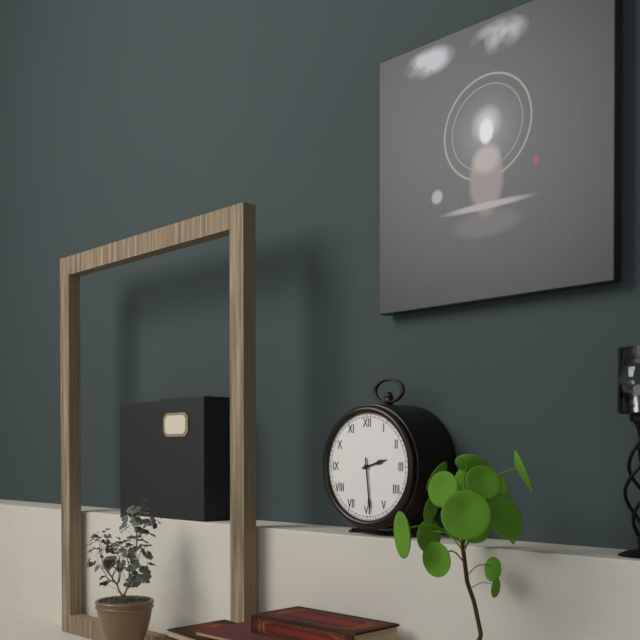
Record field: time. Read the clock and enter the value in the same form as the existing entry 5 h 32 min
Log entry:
2 h 29 min
